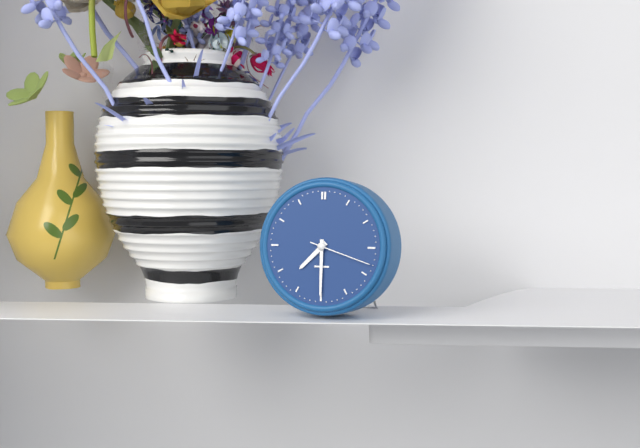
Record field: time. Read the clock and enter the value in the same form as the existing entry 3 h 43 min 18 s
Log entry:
7 h 30 min 18 s
